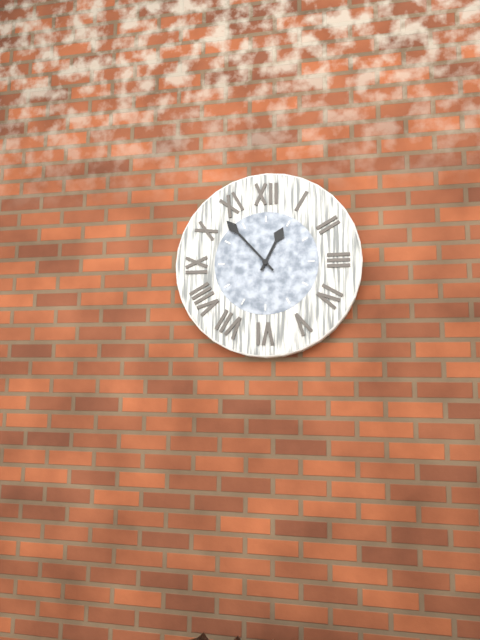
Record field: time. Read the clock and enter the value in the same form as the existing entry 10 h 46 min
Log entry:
12 h 53 min
